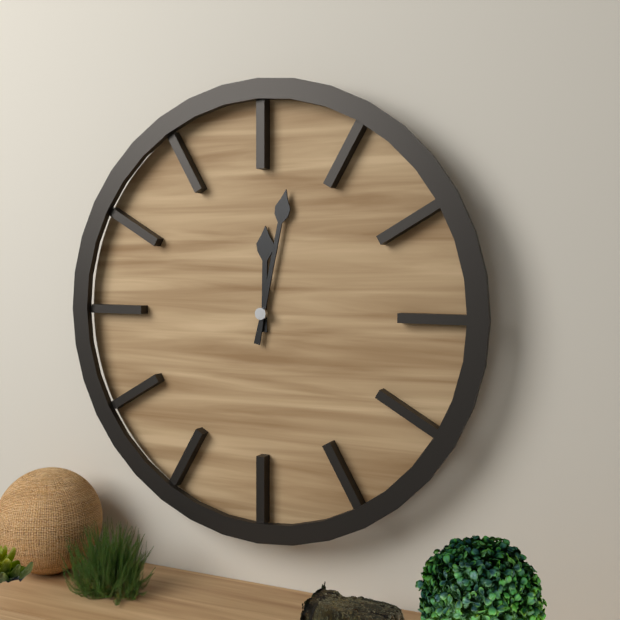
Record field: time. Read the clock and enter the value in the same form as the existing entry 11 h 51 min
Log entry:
12 h 02 min
